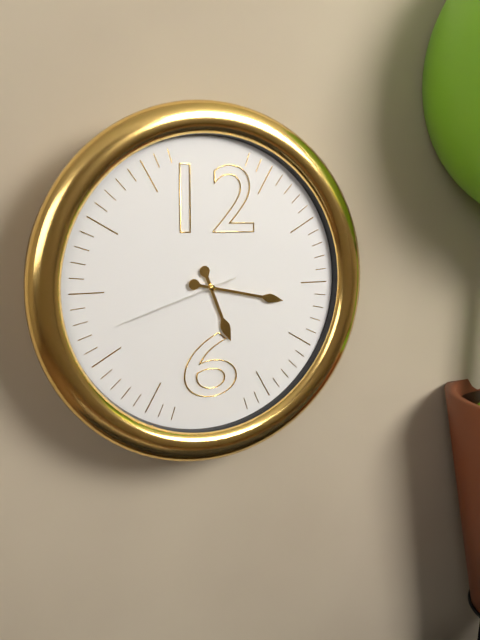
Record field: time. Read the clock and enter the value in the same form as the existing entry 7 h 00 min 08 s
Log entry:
5 h 17 min 42 s
